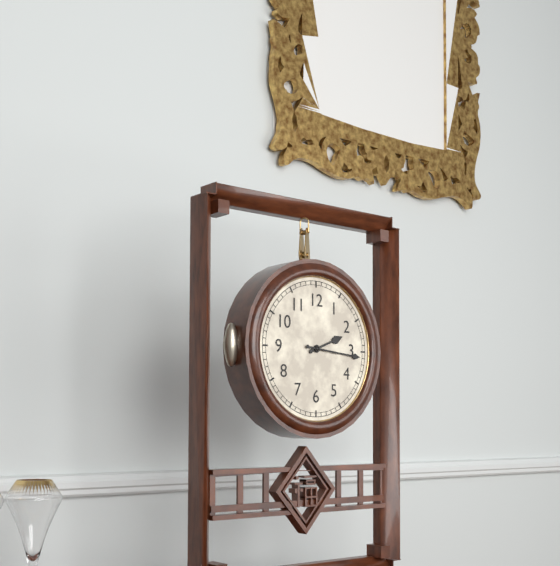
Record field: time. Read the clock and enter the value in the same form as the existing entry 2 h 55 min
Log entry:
2 h 16 min
